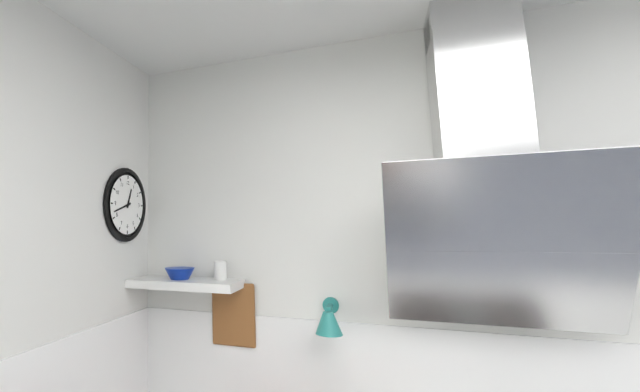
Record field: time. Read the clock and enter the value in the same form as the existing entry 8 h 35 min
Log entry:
12 h 42 min
